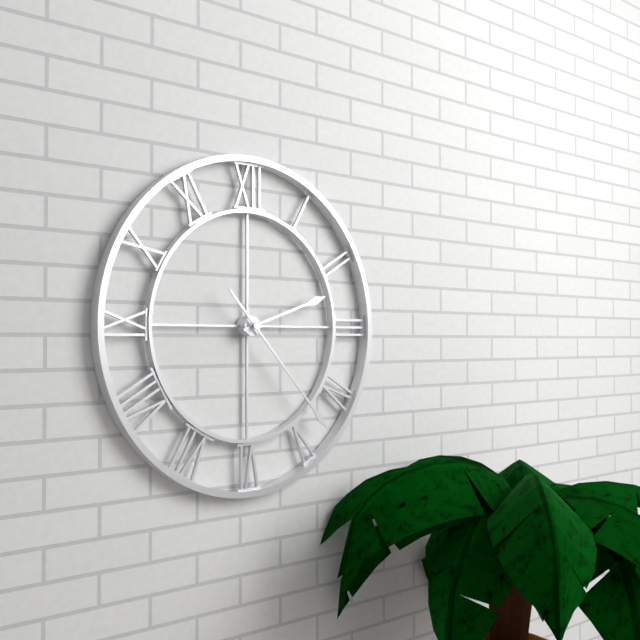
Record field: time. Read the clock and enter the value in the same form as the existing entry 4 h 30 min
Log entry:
2 h 23 min
